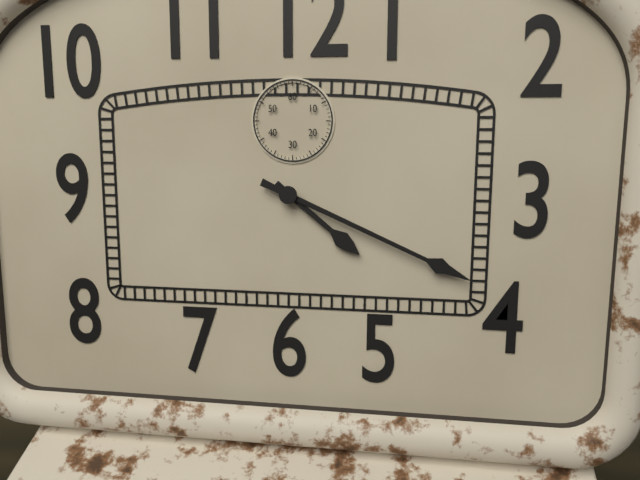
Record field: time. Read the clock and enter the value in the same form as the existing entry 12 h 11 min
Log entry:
4 h 19 min
